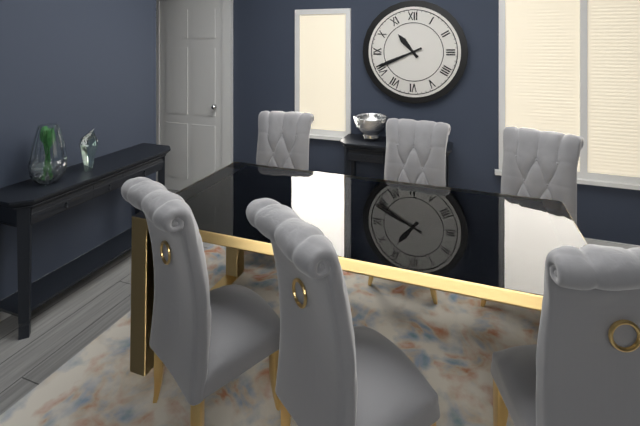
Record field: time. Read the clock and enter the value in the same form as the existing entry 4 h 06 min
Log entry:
10 h 41 min
